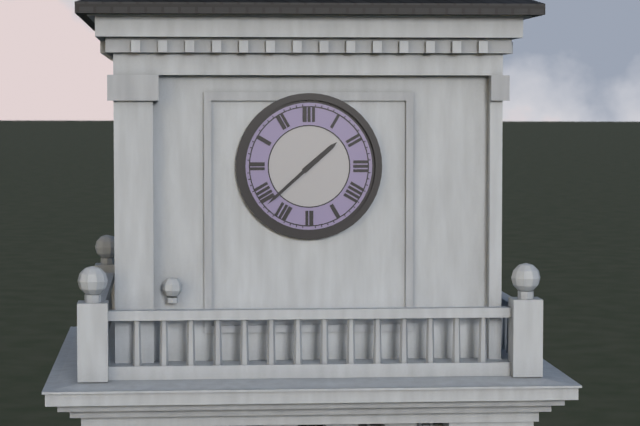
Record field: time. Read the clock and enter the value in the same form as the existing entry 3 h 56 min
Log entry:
1 h 38 min
